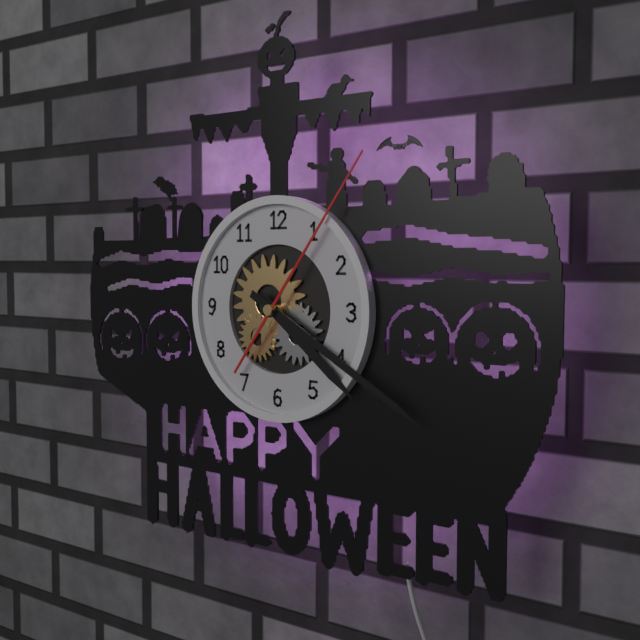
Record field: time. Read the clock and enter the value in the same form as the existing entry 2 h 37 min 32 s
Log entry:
4 h 20 min 06 s
